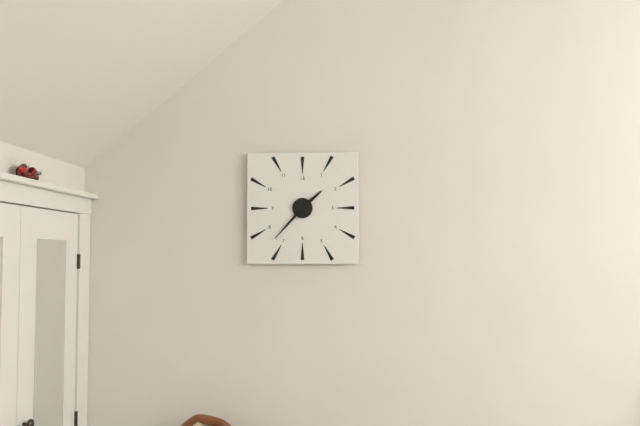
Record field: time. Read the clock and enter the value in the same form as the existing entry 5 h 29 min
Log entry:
1 h 37 min
